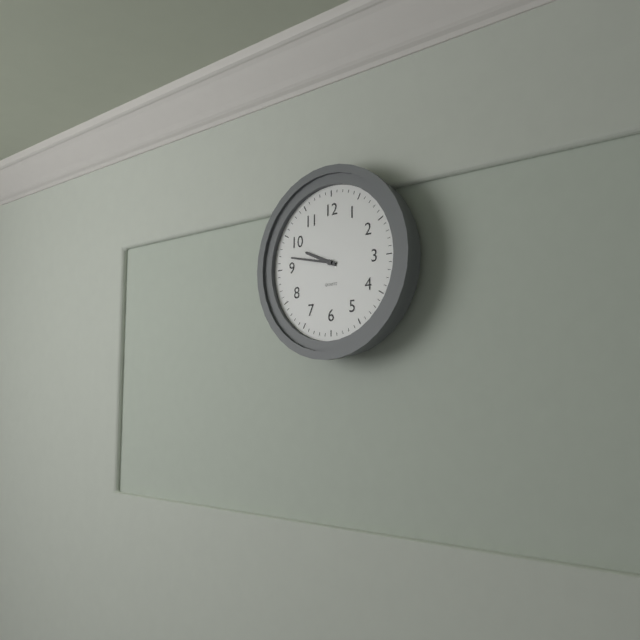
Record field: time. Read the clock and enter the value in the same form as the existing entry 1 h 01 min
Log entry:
9 h 47 min
